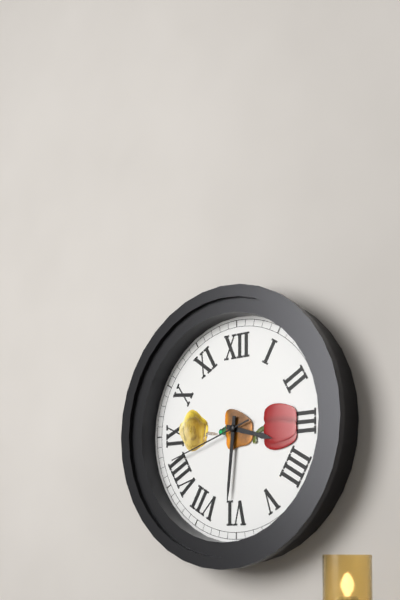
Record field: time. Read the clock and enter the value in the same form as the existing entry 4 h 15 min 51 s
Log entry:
3 h 31 min 42 s
